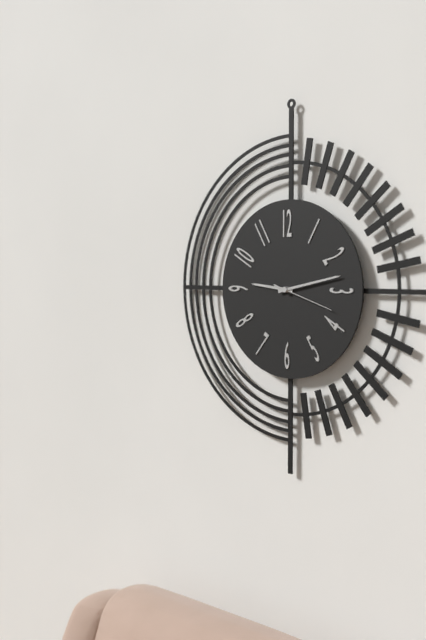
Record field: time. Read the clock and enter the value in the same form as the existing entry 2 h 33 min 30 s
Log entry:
9 h 13 min 18 s
